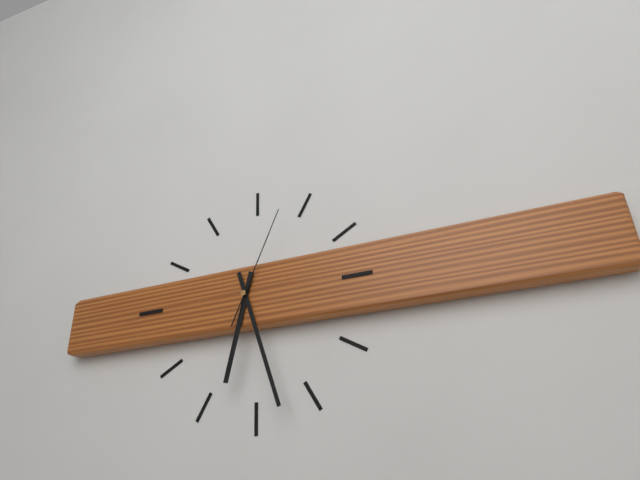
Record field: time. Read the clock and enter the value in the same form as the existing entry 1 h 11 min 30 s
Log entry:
6 h 27 min 04 s
